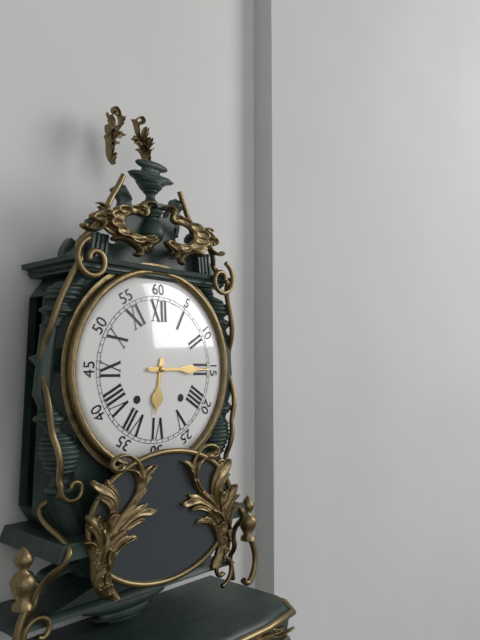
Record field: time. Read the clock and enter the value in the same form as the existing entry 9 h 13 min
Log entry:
6 h 15 min
